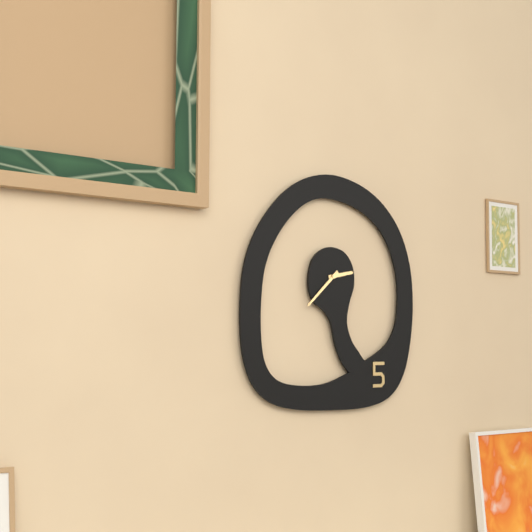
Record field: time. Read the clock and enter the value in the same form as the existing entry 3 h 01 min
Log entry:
2 h 38 min
